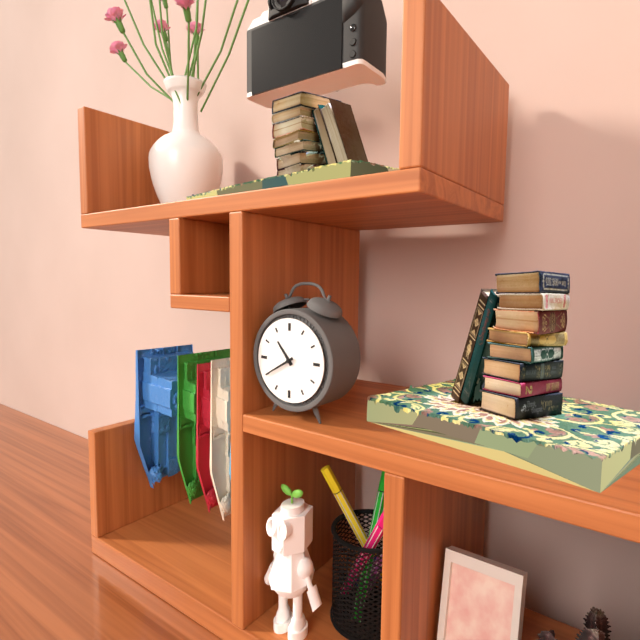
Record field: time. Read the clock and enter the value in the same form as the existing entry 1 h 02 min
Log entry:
10 h 40 min
